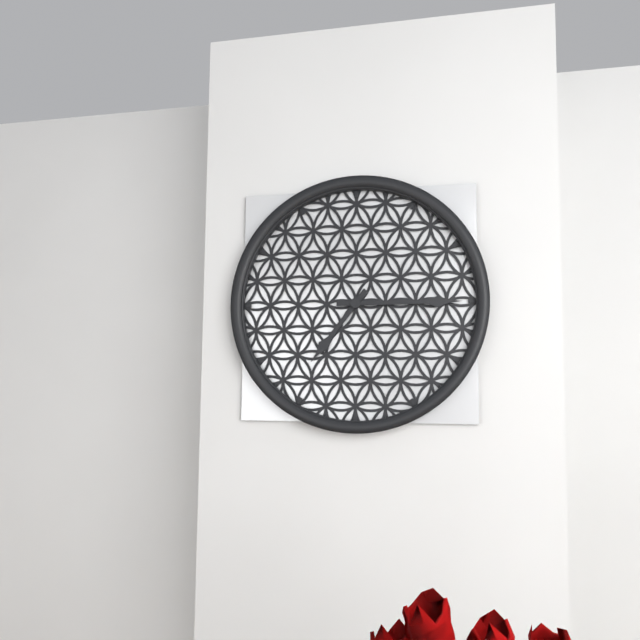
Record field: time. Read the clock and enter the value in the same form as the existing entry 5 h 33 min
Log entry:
7 h 15 min
